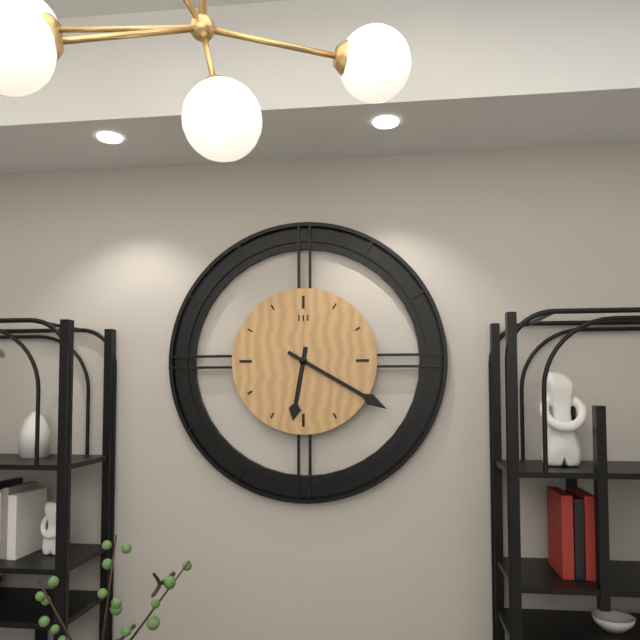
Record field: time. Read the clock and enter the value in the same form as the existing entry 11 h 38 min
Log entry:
6 h 20 min
